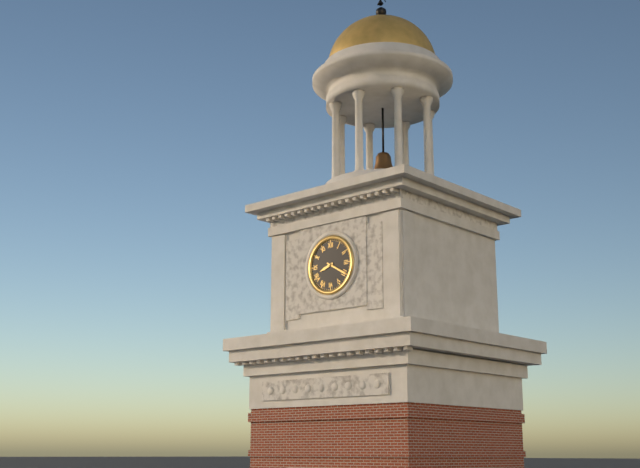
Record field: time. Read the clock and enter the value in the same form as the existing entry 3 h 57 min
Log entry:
8 h 20 min
